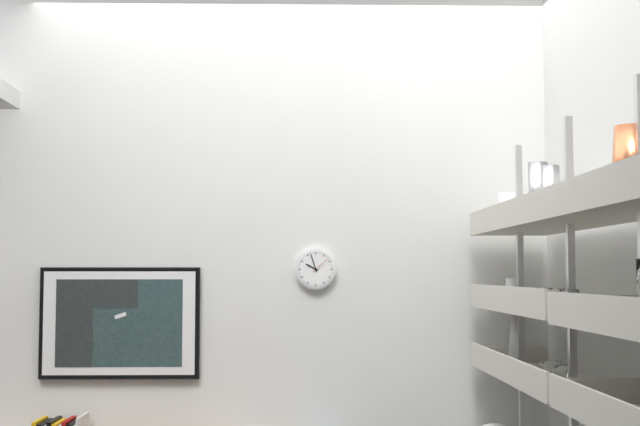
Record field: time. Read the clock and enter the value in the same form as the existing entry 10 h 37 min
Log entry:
9 h 57 min
